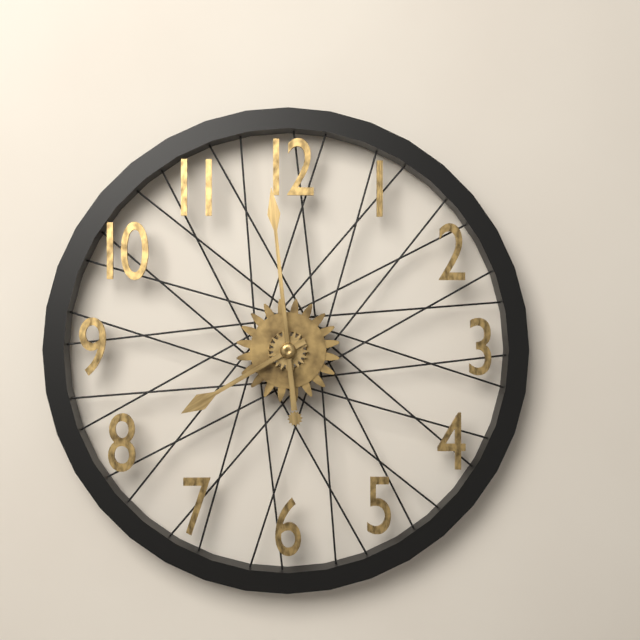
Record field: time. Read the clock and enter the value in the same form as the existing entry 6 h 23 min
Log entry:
7 h 59 min
